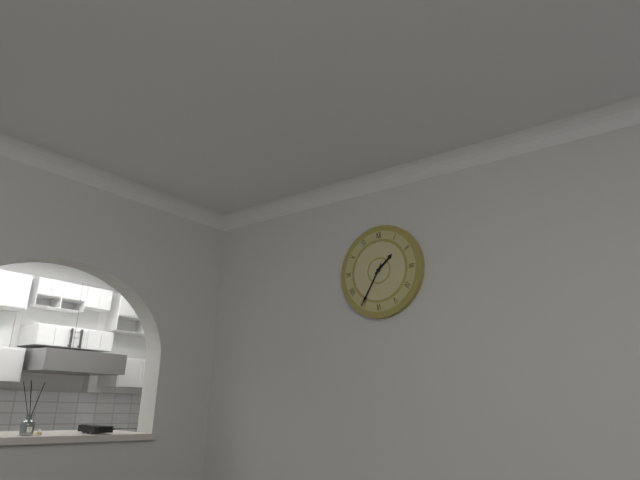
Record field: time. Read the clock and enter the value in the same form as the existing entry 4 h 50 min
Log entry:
1 h 35 min
